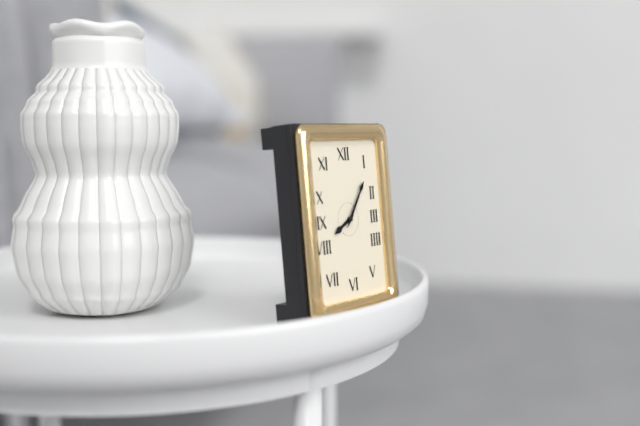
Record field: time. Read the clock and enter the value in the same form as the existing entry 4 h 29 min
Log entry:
8 h 06 min
